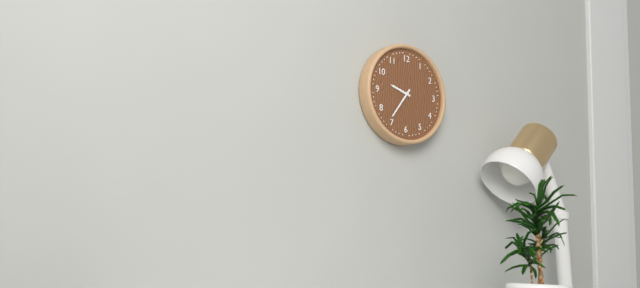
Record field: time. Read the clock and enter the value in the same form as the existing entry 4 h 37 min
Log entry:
9 h 36 min
